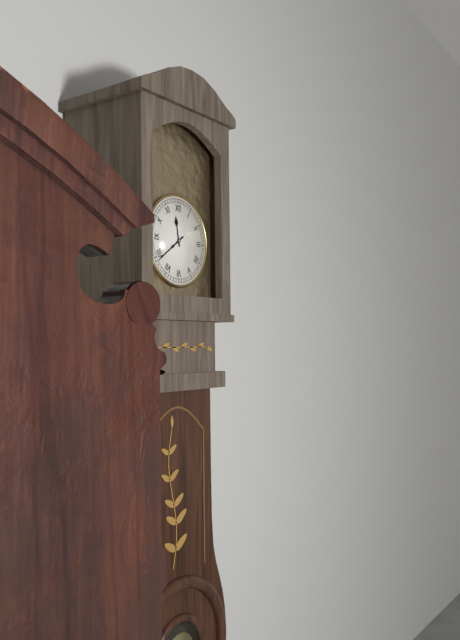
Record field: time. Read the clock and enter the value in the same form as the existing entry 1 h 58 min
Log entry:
11 h 39 min
